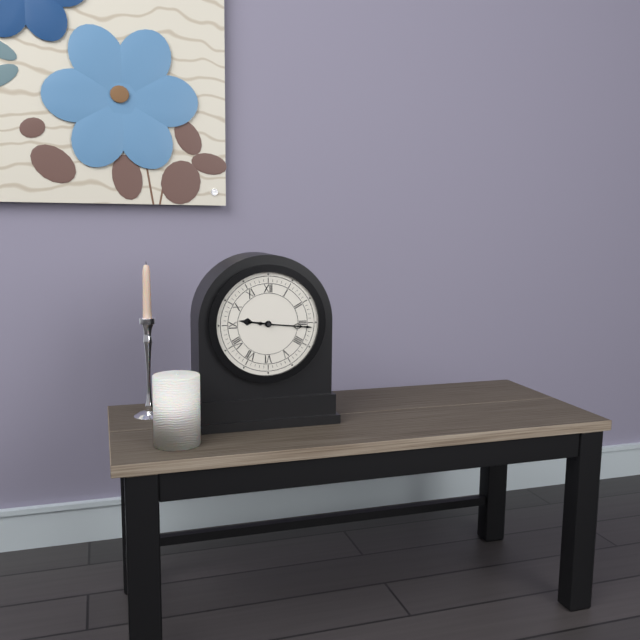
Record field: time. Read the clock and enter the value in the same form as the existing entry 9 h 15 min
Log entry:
9 h 16 min
